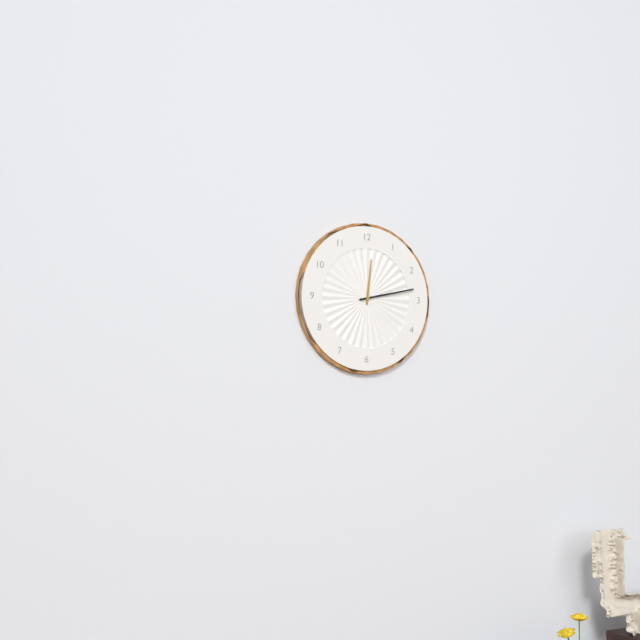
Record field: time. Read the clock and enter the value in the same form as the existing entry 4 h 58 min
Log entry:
12 h 13 min
